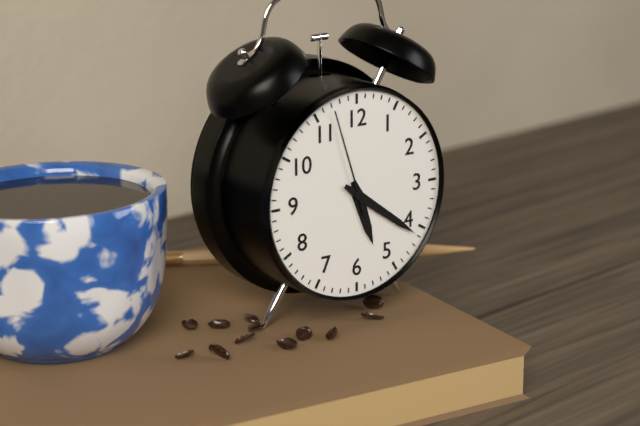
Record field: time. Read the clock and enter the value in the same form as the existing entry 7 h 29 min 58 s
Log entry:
5 h 21 min 57 s
